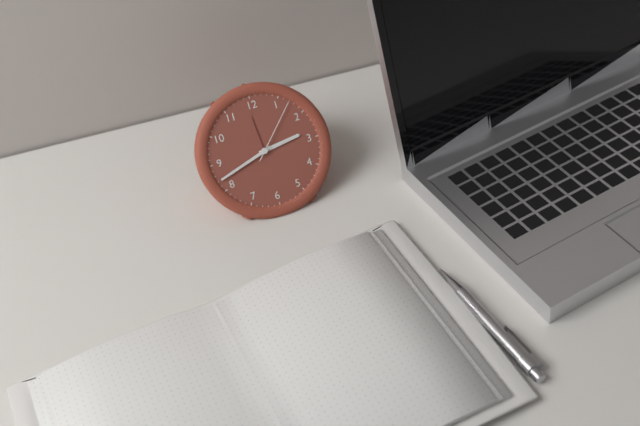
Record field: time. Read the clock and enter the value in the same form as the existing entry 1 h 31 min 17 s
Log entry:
2 h 42 min 07 s
